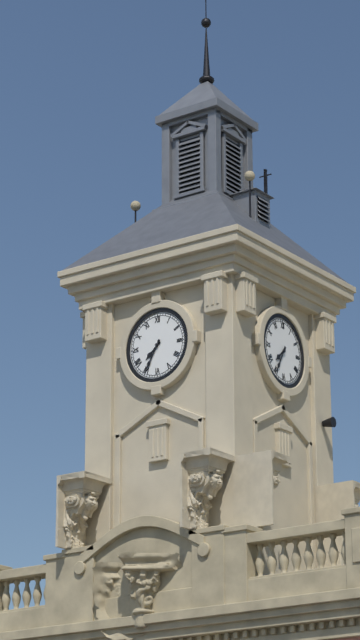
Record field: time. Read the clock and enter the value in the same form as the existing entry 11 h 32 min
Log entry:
7 h 35 min
